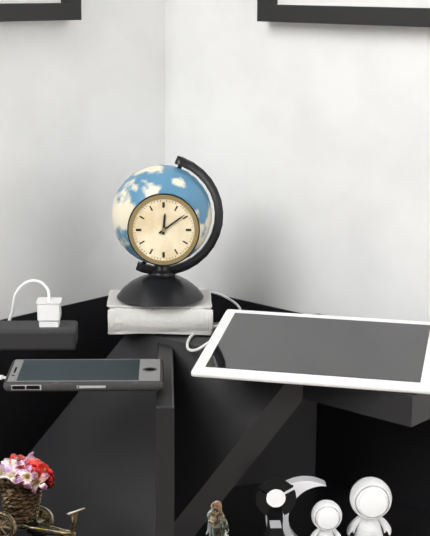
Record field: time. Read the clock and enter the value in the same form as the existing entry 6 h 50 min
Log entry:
12 h 09 min
